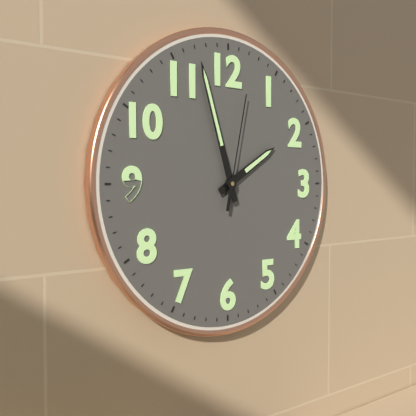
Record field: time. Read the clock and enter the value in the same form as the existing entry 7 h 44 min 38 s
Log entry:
1 h 57 min 02 s
